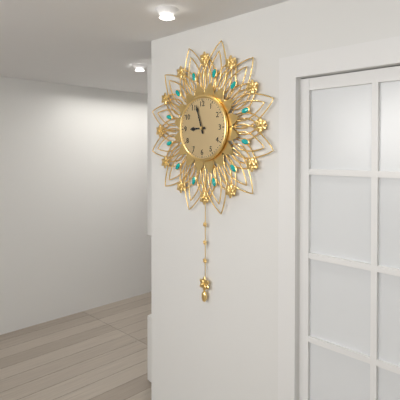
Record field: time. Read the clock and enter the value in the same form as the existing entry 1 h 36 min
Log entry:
8 h 57 min
